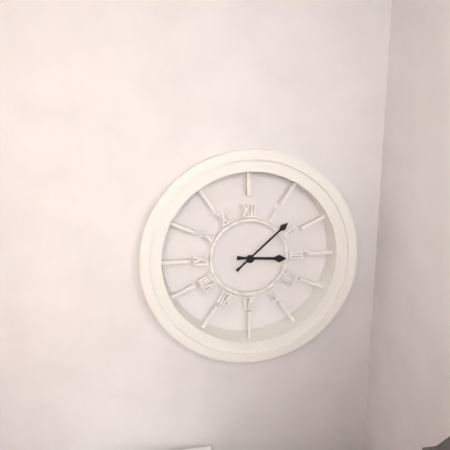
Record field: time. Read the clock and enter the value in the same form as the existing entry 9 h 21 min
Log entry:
3 h 08 min
